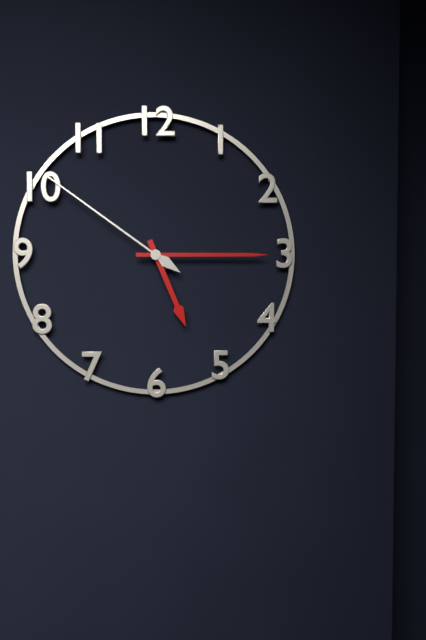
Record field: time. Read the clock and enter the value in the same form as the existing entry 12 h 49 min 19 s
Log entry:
5 h 15 min 51 s
